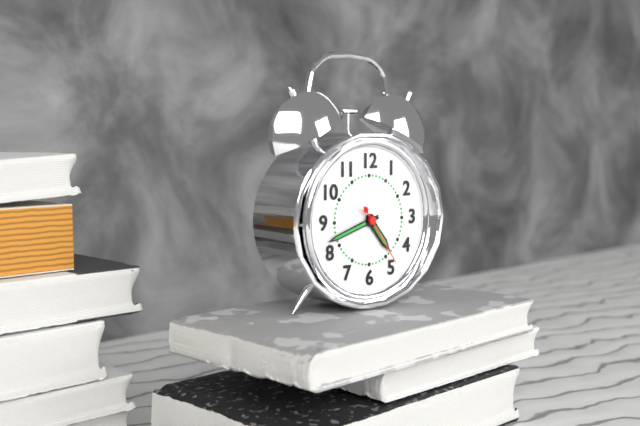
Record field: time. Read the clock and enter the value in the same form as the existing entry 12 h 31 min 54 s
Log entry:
4 h 42 min 24 s
